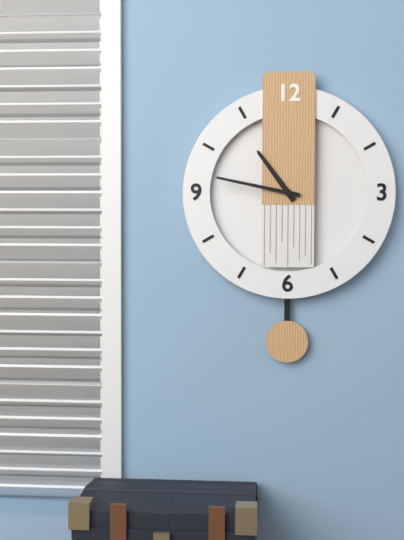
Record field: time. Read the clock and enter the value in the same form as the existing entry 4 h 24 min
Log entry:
10 h 47 min
